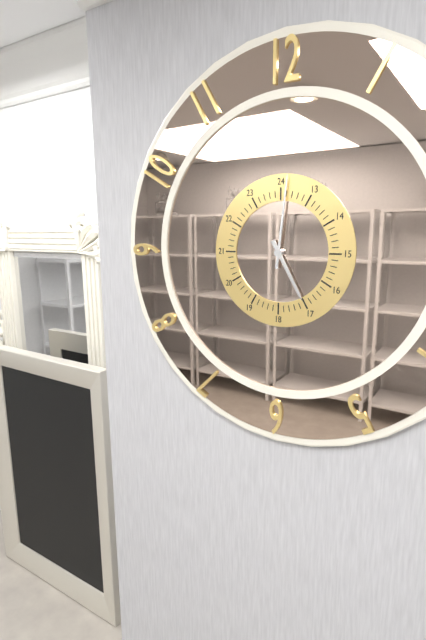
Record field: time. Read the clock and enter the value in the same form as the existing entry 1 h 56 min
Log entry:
5 h 01 min
